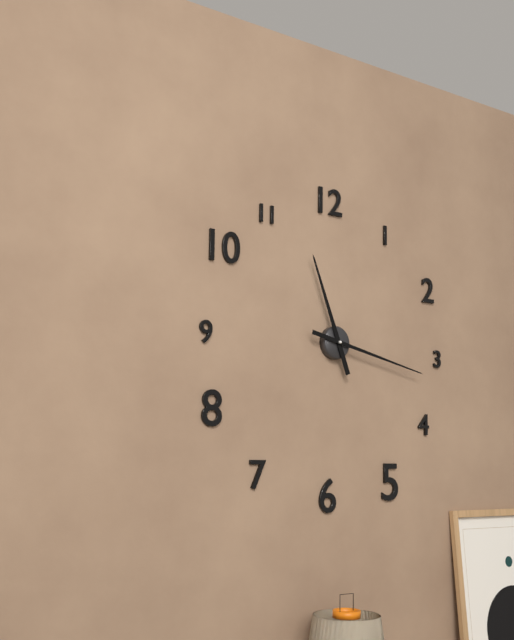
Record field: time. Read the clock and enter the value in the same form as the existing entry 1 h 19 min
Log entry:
11 h 17 min
